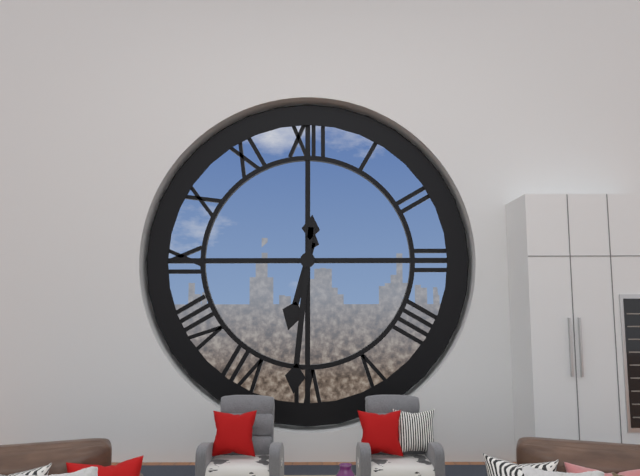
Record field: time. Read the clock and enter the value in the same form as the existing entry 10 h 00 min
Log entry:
6 h 31 min
